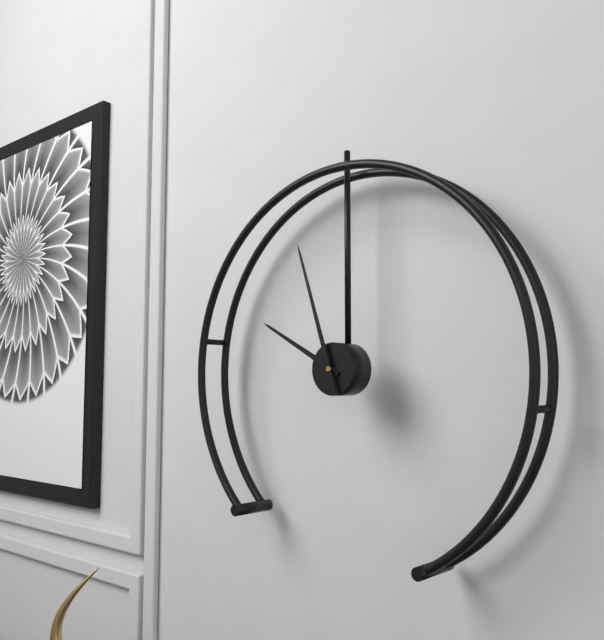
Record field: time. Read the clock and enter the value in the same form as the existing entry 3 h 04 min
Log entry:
9 h 57 min
